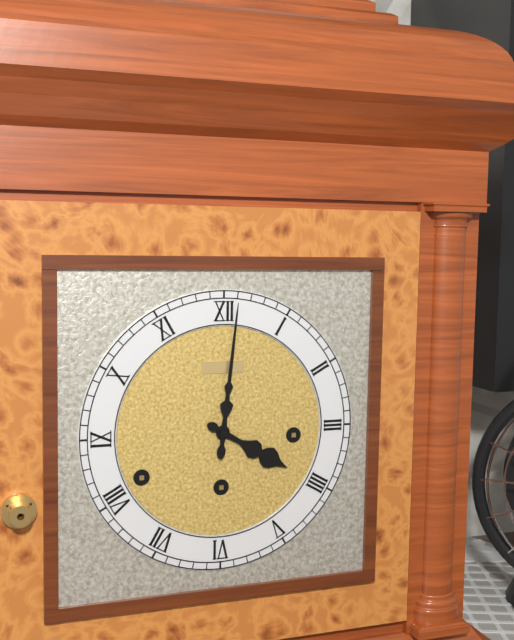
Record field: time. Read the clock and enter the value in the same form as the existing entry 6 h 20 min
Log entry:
4 h 01 min
